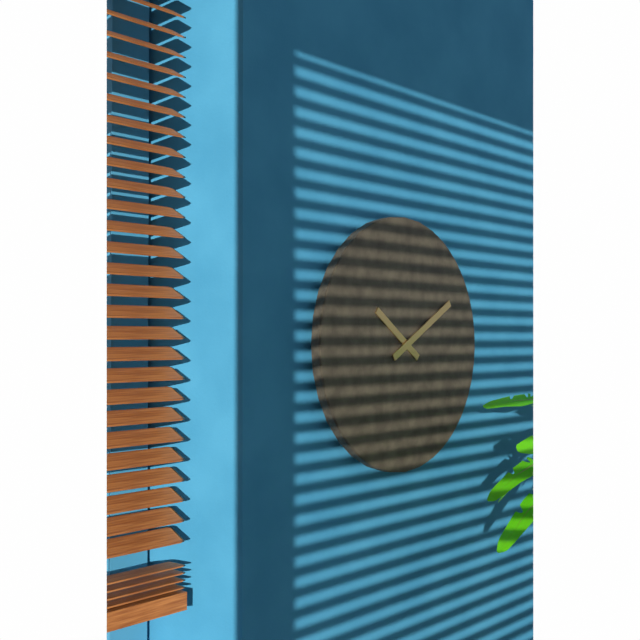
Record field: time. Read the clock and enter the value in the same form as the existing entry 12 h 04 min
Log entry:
10 h 10 min
